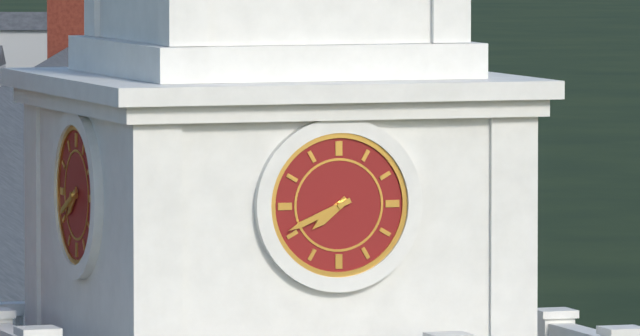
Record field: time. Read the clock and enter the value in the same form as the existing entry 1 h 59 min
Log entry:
7 h 41 min
